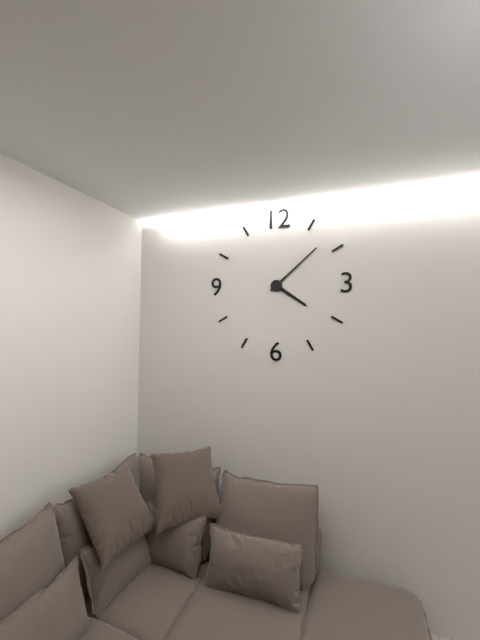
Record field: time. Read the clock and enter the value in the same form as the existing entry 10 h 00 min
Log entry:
4 h 08 min
